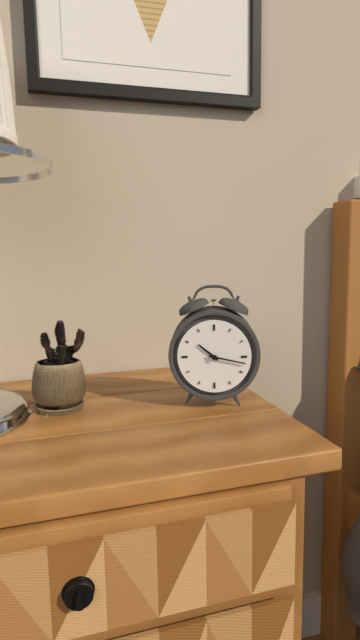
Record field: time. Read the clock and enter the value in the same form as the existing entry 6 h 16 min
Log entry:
10 h 17 min
